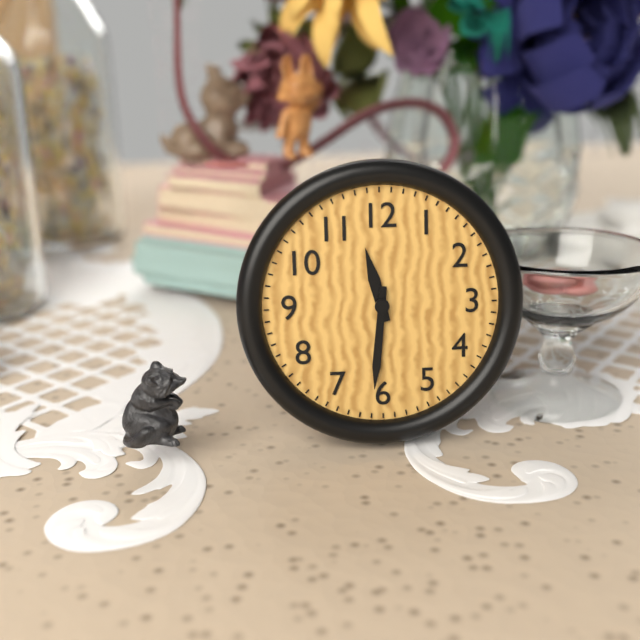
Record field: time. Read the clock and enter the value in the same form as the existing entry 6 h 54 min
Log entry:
11 h 31 min
